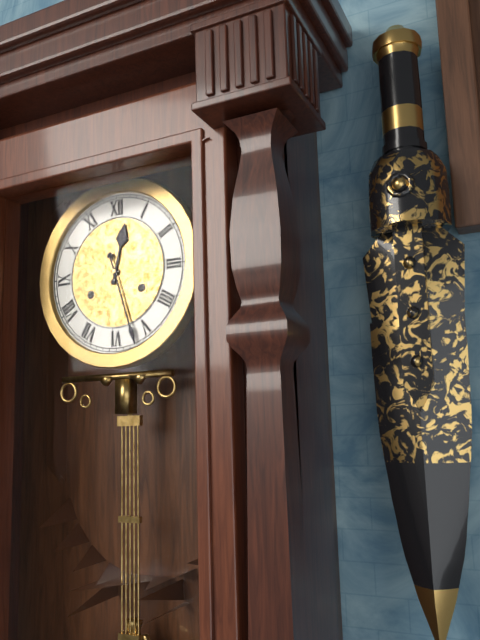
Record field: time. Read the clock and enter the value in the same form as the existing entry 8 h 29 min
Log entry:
12 h 27 min
